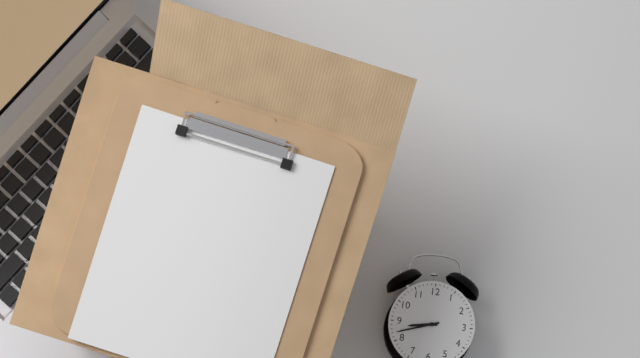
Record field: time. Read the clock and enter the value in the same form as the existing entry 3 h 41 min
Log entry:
8 h 42 min
